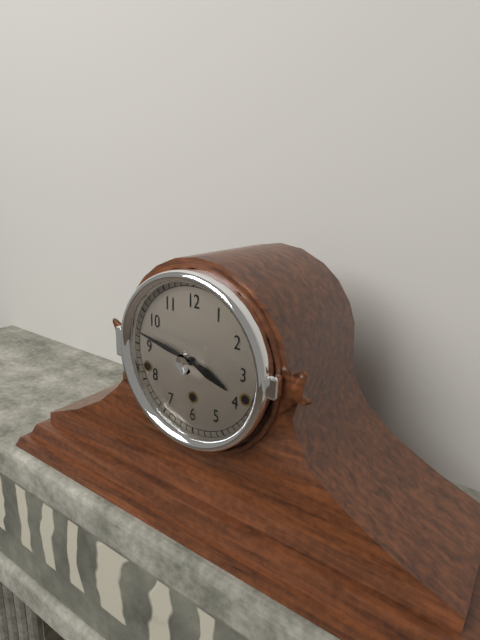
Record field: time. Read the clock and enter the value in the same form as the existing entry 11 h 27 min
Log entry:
3 h 47 min
